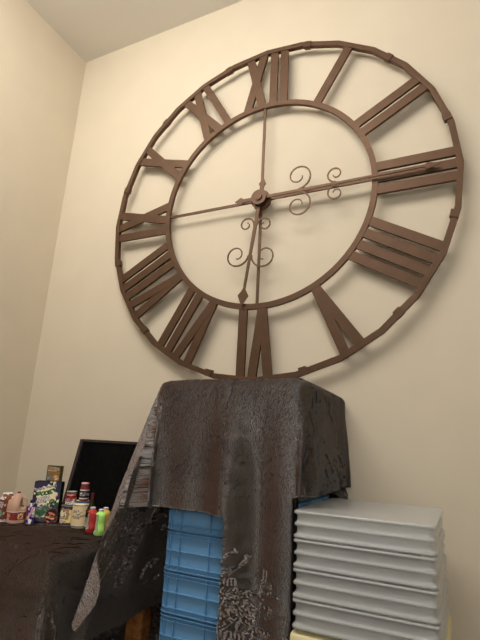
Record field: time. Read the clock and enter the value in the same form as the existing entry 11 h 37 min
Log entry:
6 h 15 min
